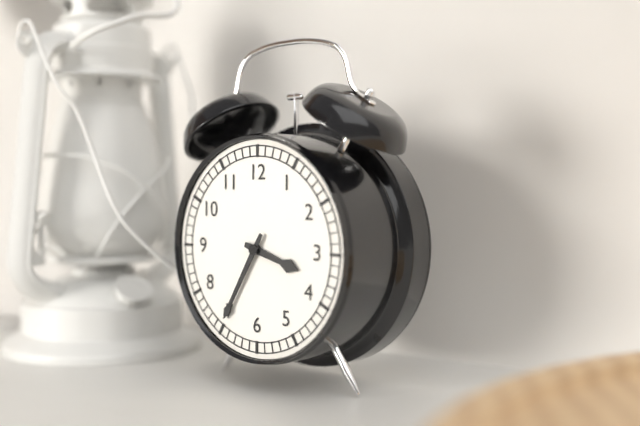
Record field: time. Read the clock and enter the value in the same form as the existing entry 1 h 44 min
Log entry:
3 h 35 min
